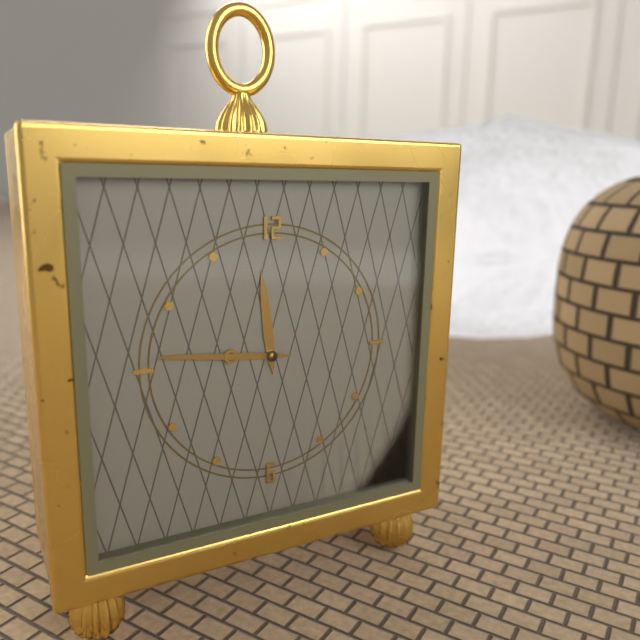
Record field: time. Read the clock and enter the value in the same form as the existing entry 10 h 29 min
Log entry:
11 h 46 min
